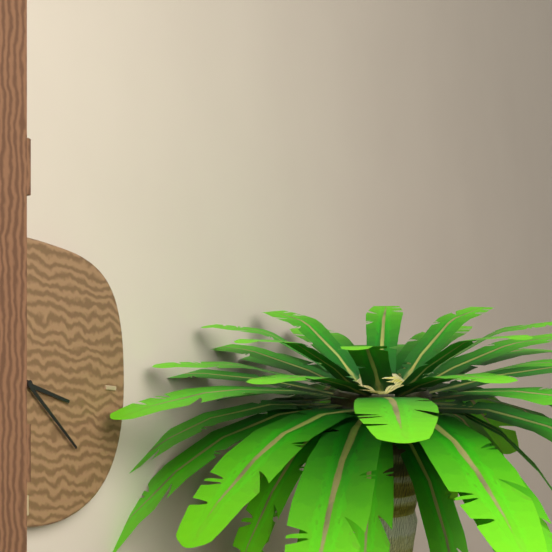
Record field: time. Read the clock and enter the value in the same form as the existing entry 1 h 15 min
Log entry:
3 h 21 min
